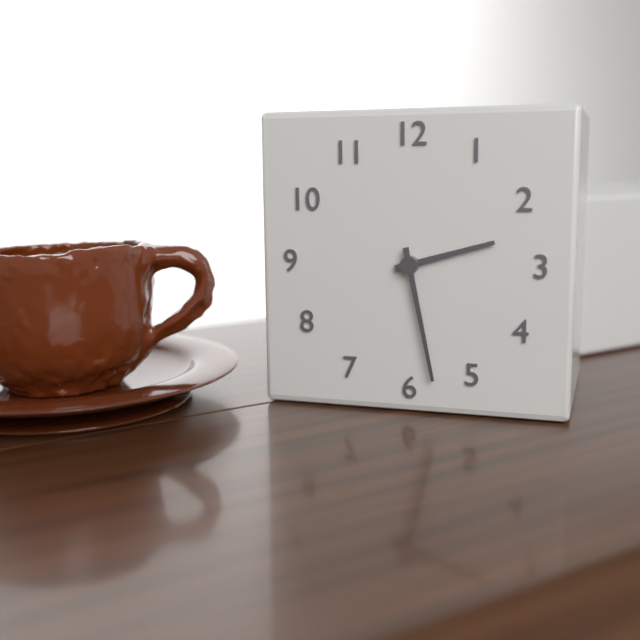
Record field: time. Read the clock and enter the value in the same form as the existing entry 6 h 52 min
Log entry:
2 h 28 min
